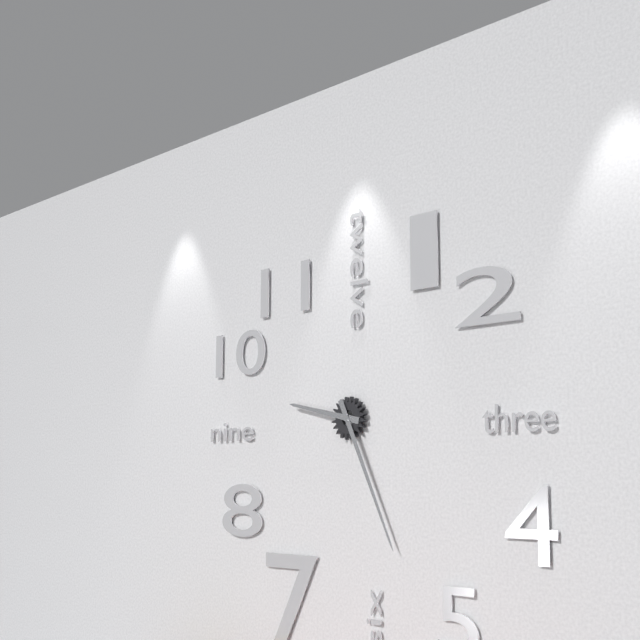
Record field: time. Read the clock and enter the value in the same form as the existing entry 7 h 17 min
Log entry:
9 h 26 min
